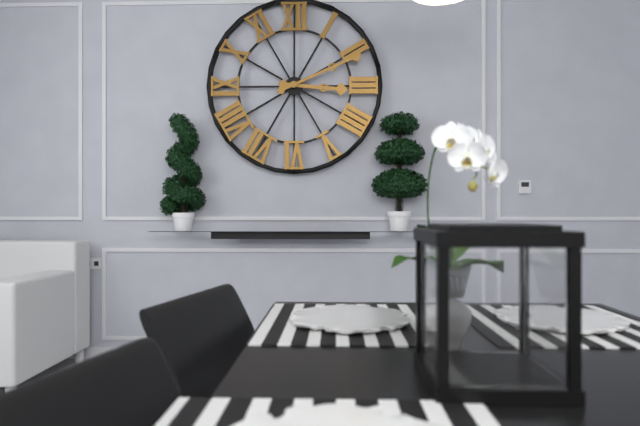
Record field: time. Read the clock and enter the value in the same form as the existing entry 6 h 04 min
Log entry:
3 h 11 min
